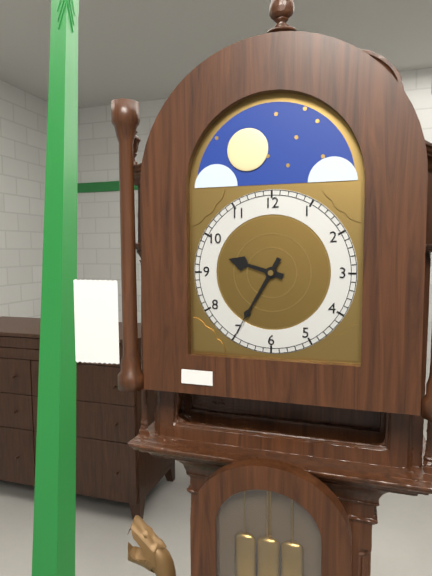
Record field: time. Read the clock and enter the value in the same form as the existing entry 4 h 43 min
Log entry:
9 h 35 min
